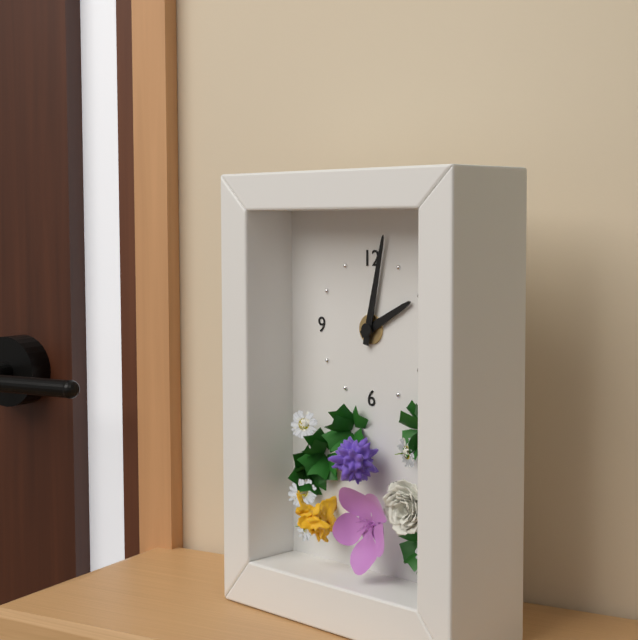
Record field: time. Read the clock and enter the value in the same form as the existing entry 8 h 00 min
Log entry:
2 h 02 min
